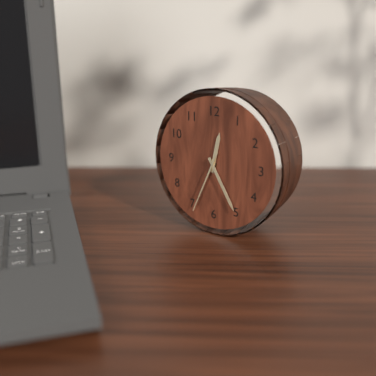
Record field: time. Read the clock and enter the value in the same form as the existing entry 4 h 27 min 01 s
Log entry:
12 h 25 min 34 s
